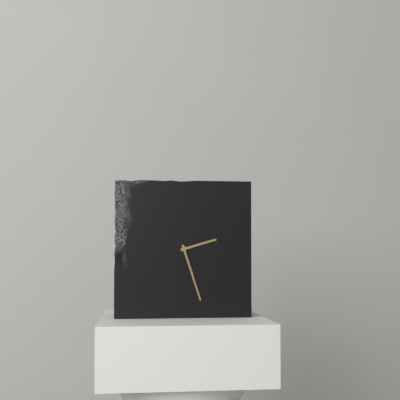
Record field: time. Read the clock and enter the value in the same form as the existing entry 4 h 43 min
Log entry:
2 h 27 min
